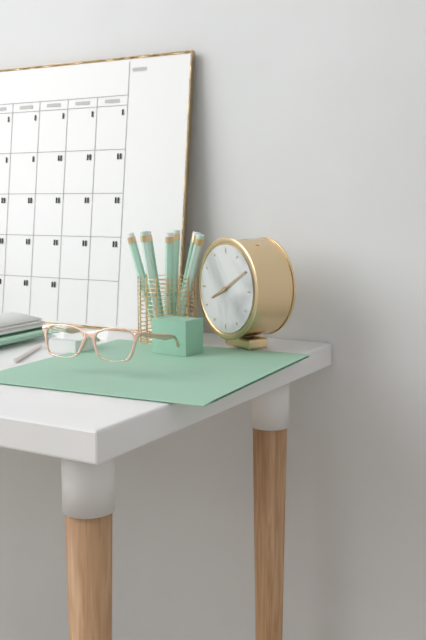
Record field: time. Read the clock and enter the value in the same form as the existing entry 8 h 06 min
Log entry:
8 h 10 min
